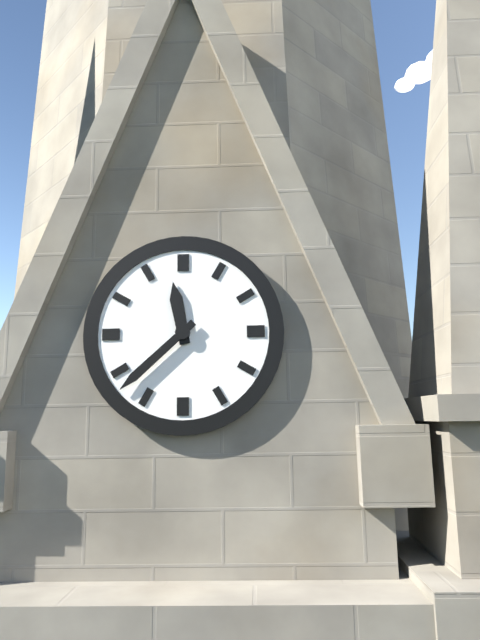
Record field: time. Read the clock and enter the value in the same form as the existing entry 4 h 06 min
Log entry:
11 h 38 min
